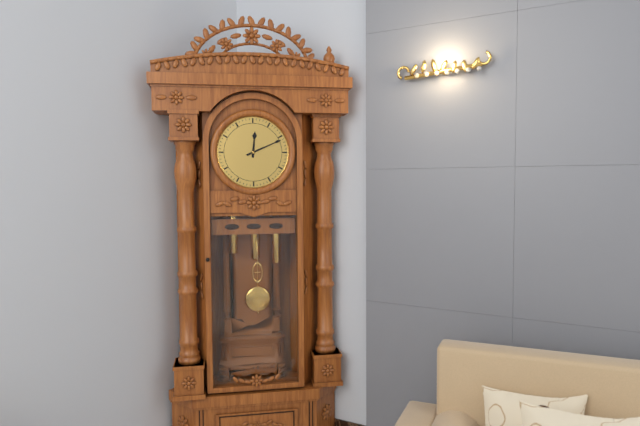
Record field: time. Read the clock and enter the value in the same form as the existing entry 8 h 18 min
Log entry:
12 h 11 min
